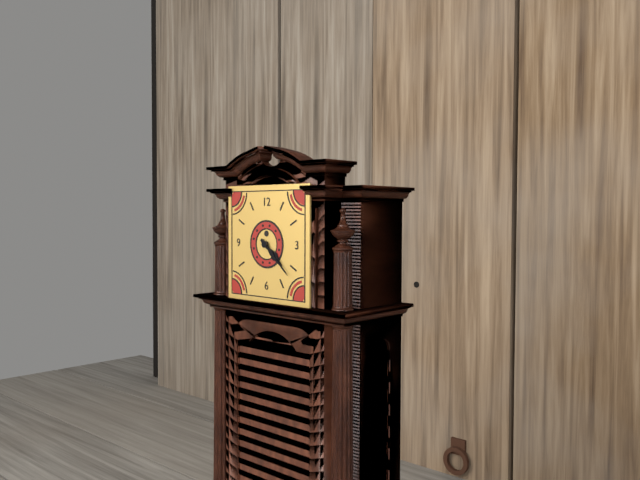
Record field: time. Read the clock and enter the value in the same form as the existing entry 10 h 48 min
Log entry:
4 h 22 min
